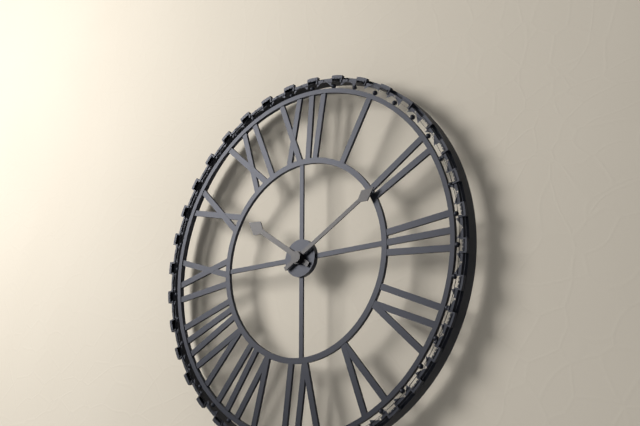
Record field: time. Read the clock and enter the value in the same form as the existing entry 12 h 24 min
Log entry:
10 h 10 min
